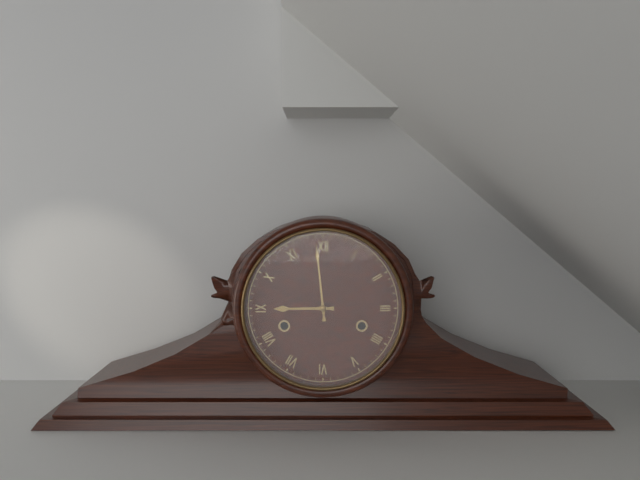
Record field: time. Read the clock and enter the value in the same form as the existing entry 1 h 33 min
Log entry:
8 h 59 min
